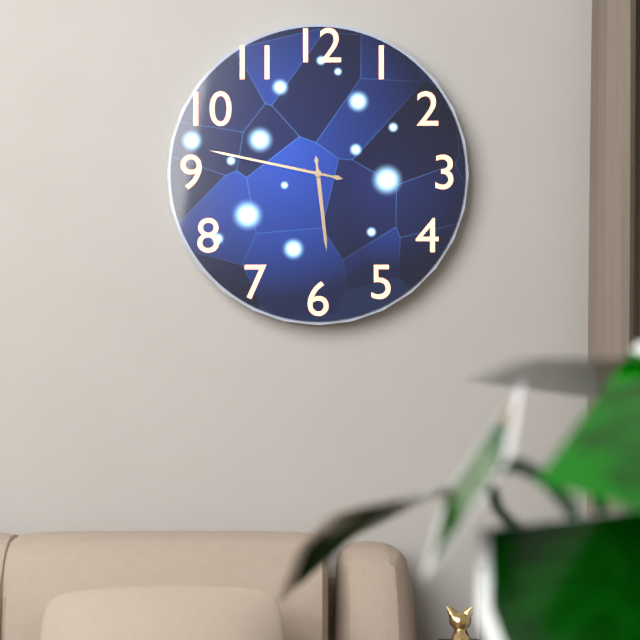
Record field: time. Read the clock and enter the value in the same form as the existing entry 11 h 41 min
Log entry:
5 h 47 min
